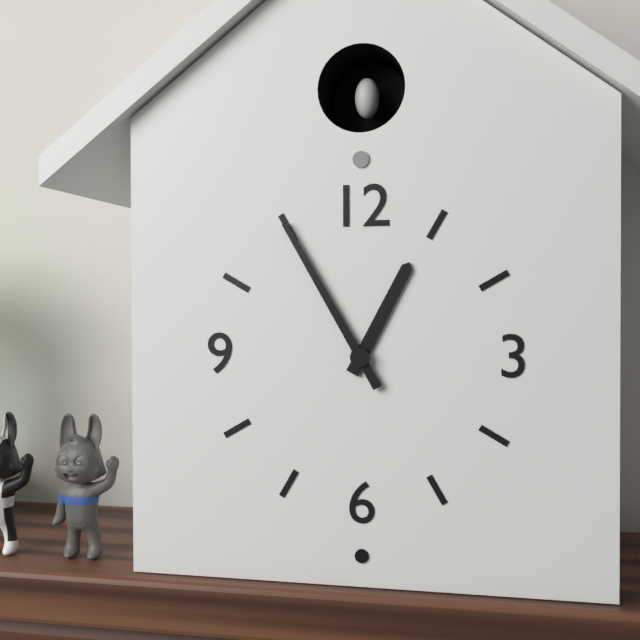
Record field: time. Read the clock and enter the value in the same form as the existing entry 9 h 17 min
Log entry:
12 h 55 min
